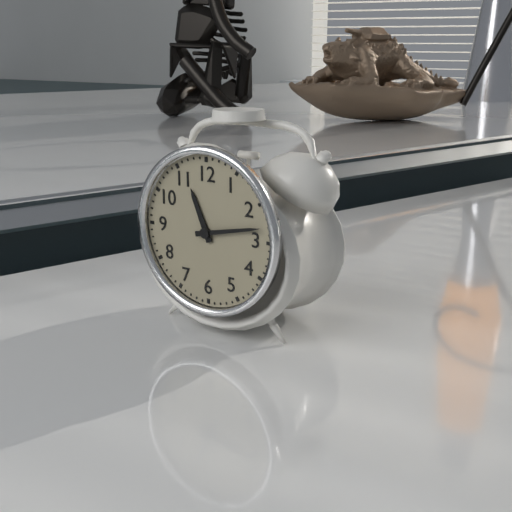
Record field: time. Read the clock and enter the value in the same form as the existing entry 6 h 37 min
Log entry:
11 h 13 min
